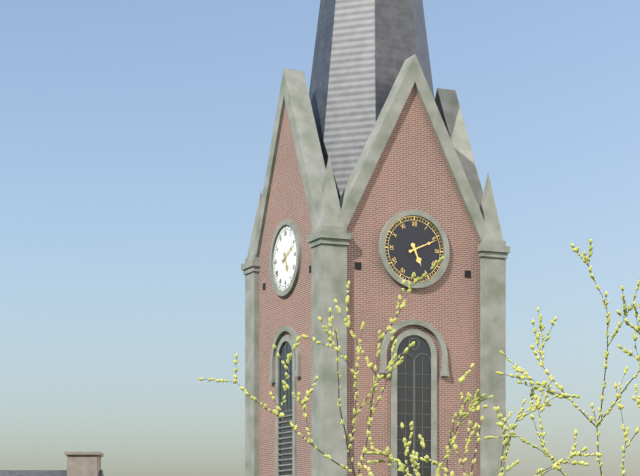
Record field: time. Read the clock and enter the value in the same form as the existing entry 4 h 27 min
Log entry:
5 h 11 min
